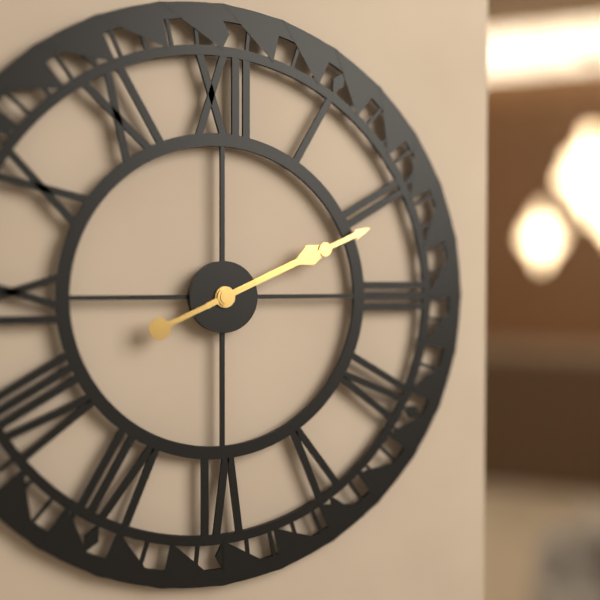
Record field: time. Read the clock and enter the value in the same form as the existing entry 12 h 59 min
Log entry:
2 h 11 min
